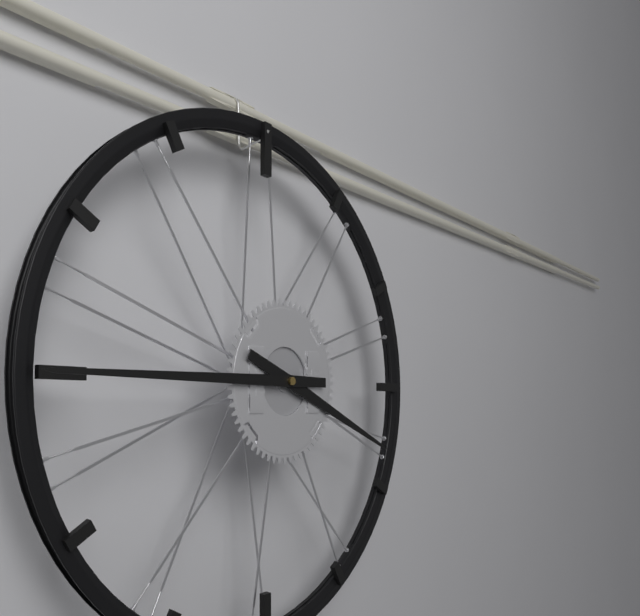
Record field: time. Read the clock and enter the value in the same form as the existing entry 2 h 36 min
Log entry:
3 h 45 min
